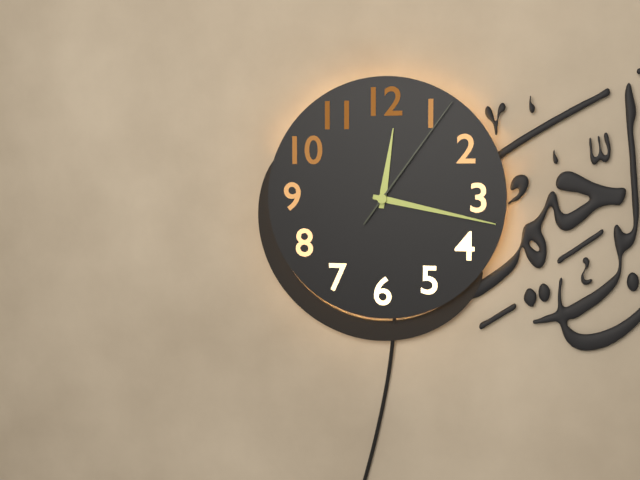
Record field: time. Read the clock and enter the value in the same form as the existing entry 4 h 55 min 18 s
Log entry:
12 h 17 min 06 s
